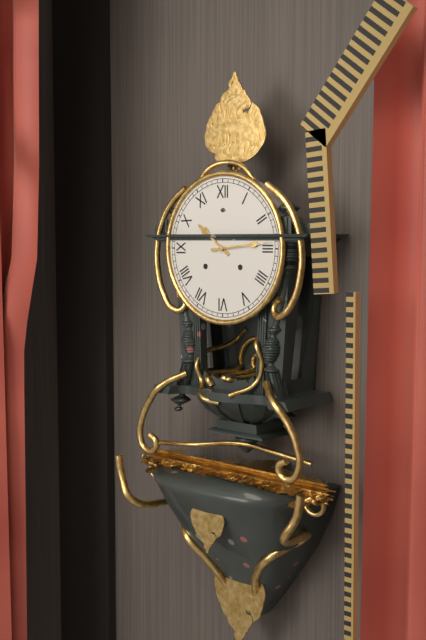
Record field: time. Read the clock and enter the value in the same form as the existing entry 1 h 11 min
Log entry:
10 h 14 min
